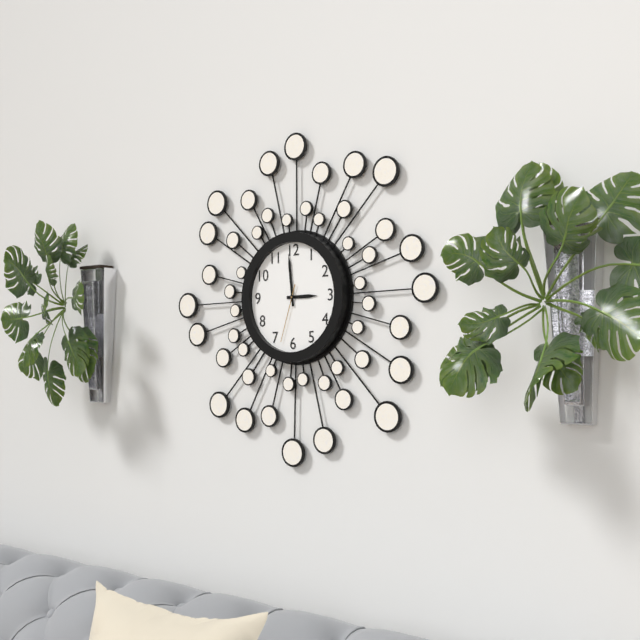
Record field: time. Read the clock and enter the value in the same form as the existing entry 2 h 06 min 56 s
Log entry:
2 h 59 min 33 s
